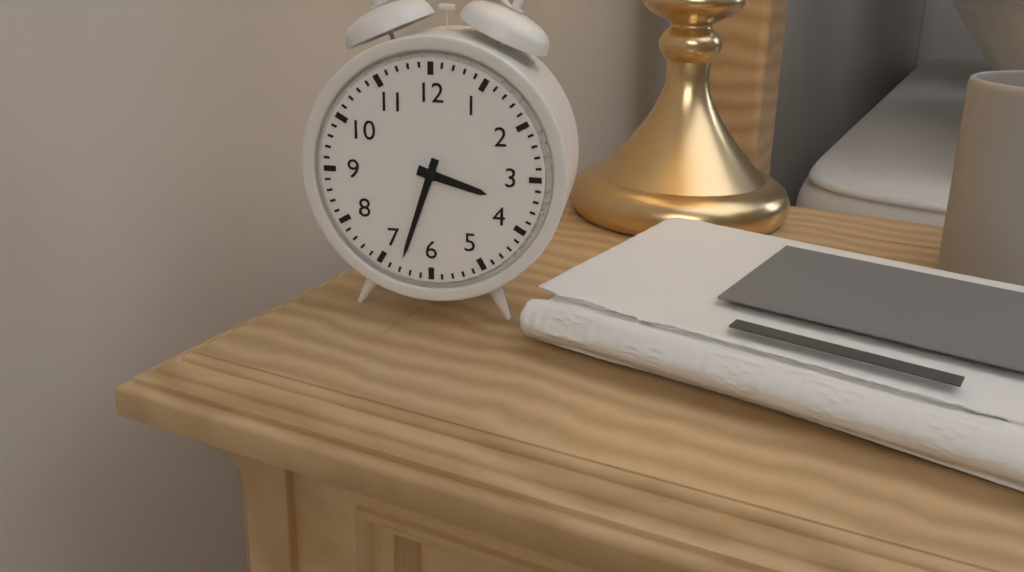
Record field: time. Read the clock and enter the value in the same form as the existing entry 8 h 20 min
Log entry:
3 h 33 min
